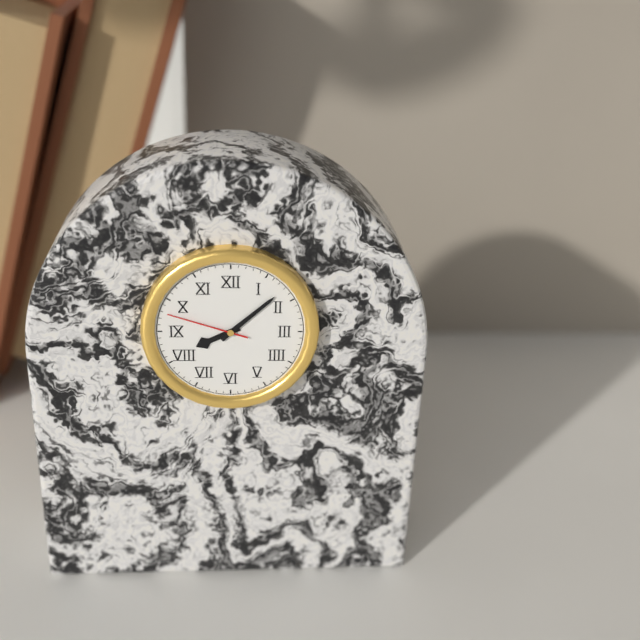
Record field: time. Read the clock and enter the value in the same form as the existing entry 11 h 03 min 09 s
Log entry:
8 h 08 min 48 s
